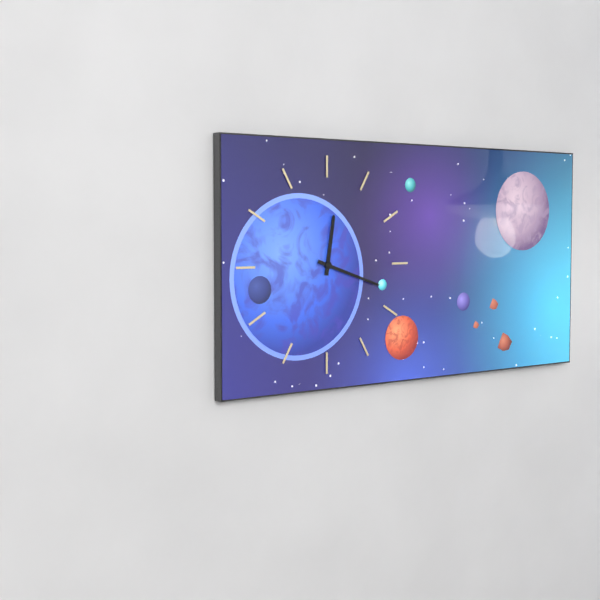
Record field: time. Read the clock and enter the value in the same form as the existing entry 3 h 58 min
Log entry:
12 h 18 min
